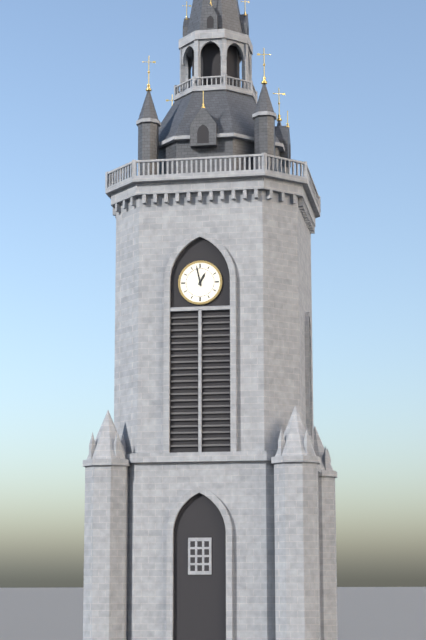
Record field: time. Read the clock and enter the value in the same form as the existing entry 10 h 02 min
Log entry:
12 h 58 min
